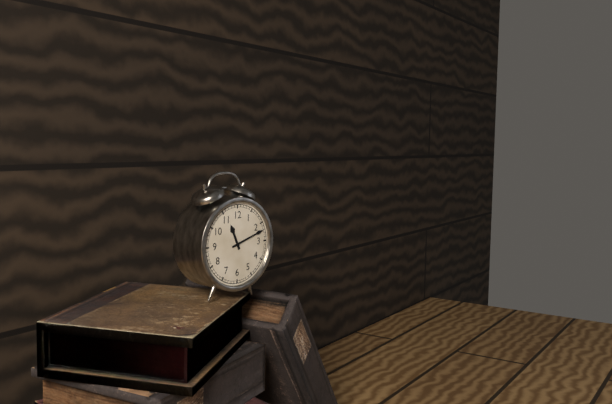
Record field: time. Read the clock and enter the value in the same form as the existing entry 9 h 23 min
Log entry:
11 h 12 min
